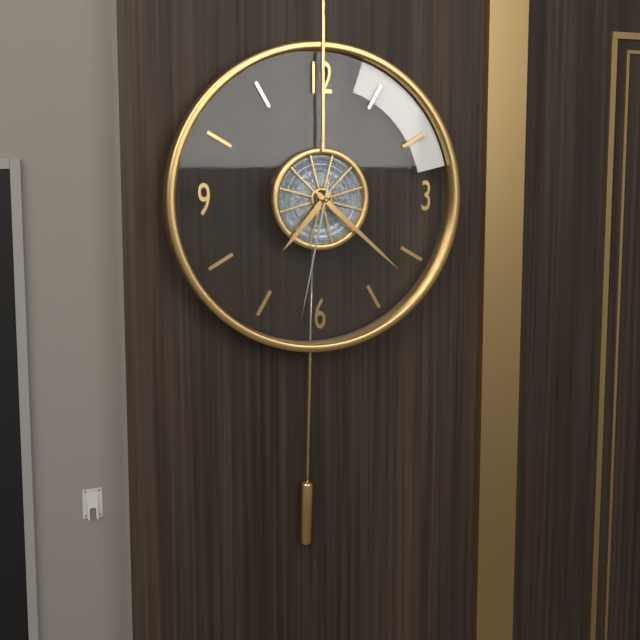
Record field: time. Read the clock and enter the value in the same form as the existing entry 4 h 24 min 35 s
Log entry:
7 h 22 min 32 s
